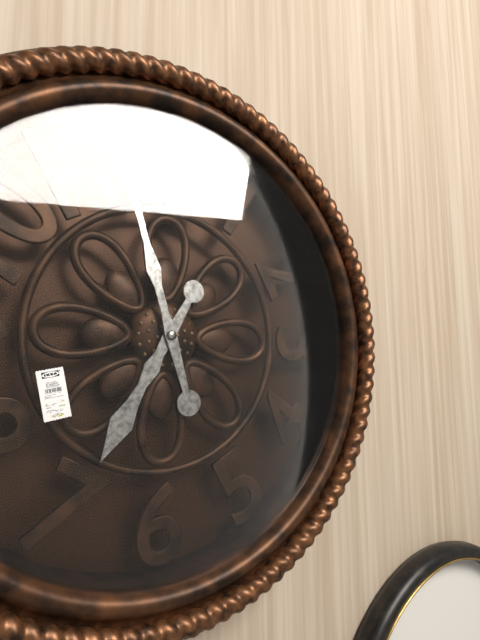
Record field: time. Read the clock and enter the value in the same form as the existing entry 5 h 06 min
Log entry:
6 h 57 min
